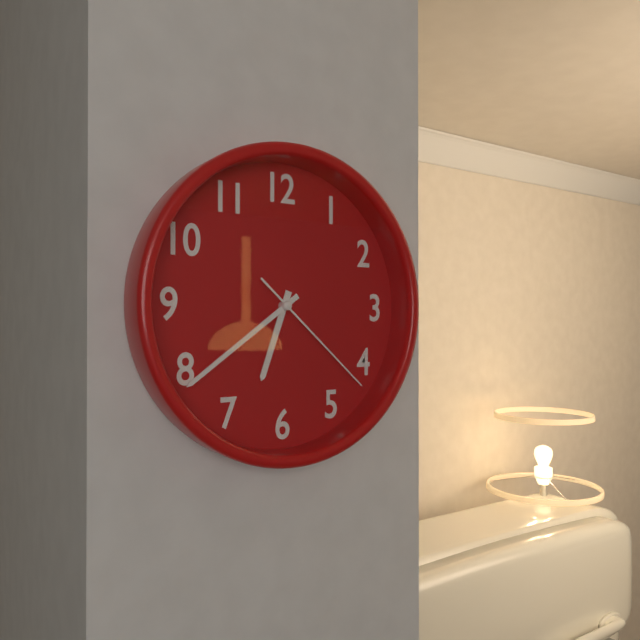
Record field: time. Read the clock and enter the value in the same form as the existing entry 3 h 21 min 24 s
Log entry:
6 h 39 min 22 s
